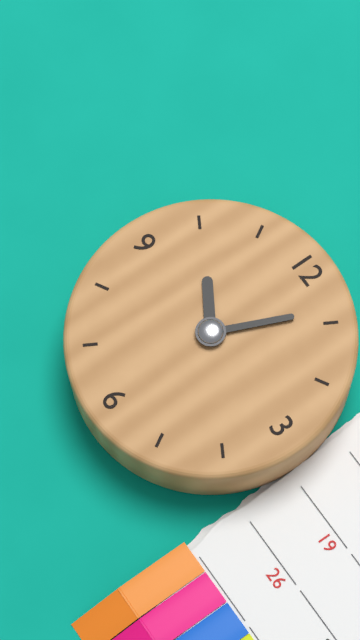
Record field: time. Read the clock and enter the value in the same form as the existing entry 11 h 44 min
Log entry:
10 h 04 min
